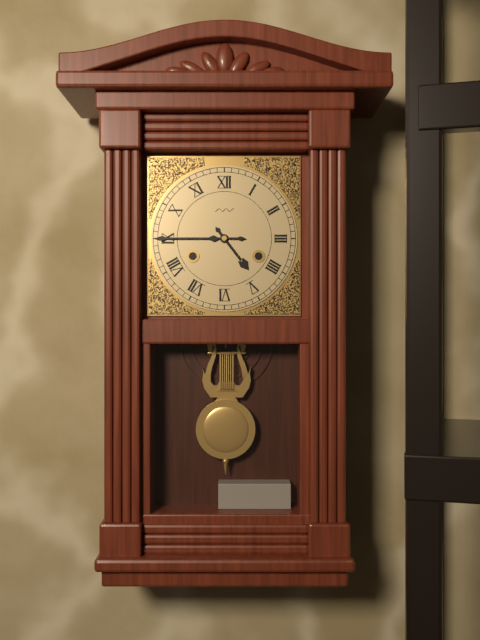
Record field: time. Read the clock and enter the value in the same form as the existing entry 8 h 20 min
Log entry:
4 h 45 min
